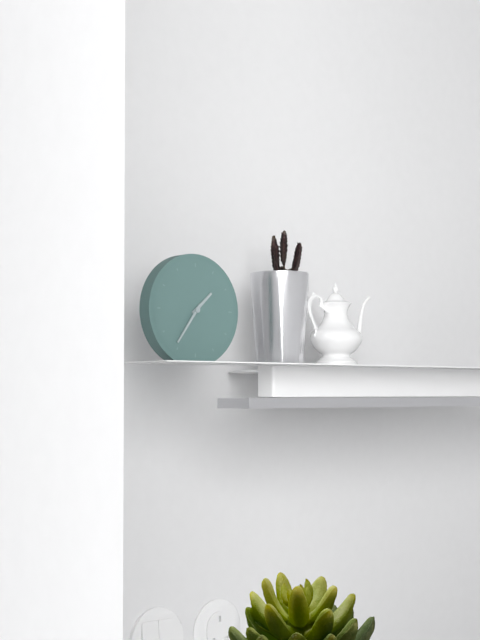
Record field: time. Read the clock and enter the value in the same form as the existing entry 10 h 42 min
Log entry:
1 h 36 min
